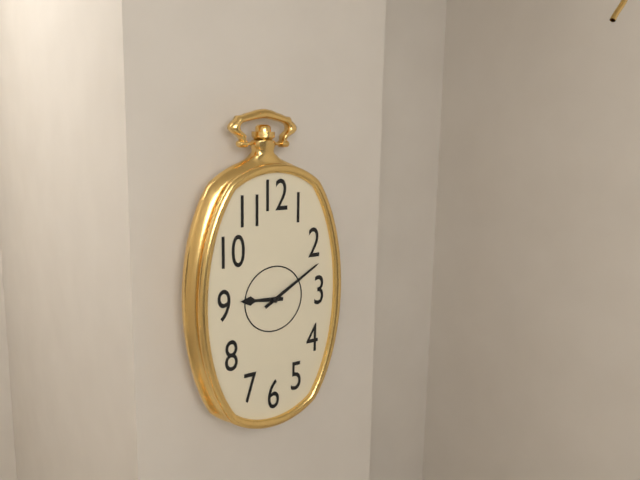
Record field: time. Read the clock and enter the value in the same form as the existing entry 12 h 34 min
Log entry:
9 h 10 min
